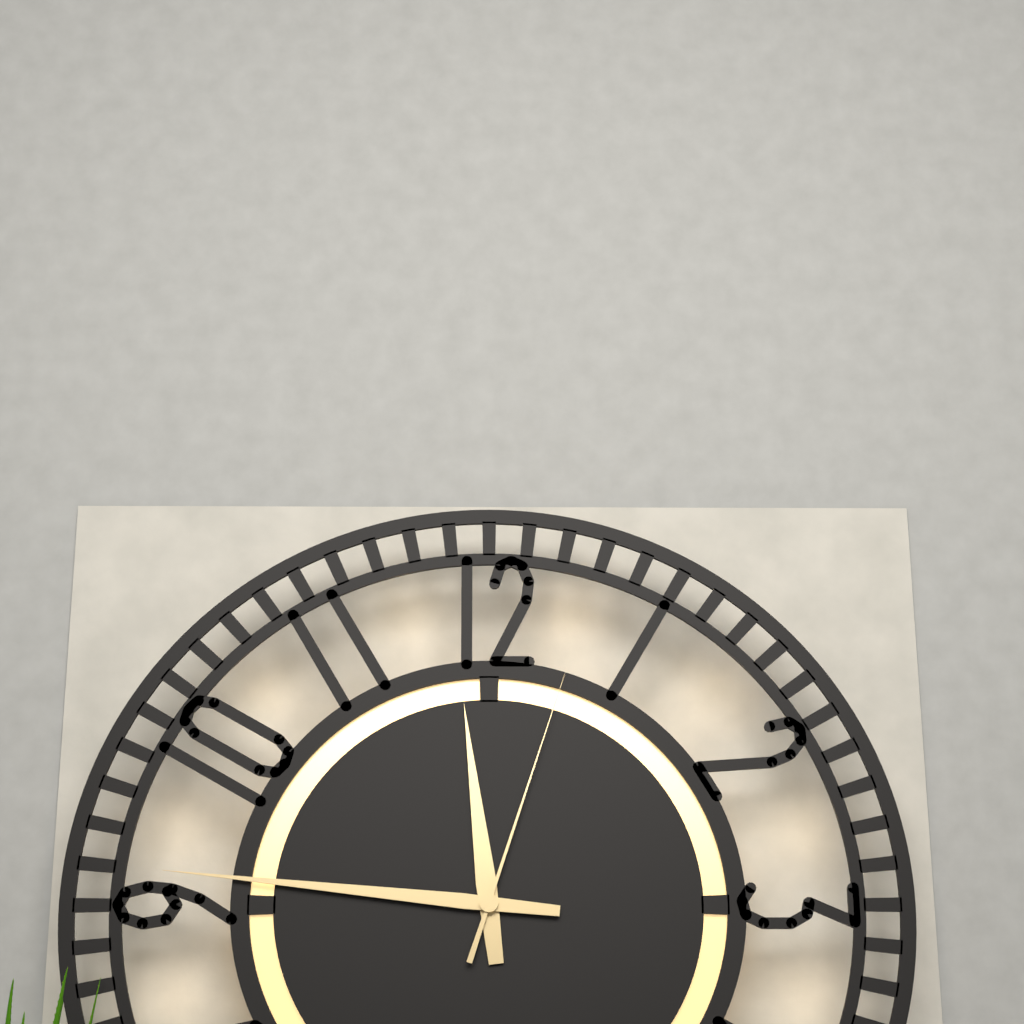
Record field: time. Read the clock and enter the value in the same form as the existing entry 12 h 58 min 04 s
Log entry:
11 h 46 min 03 s
